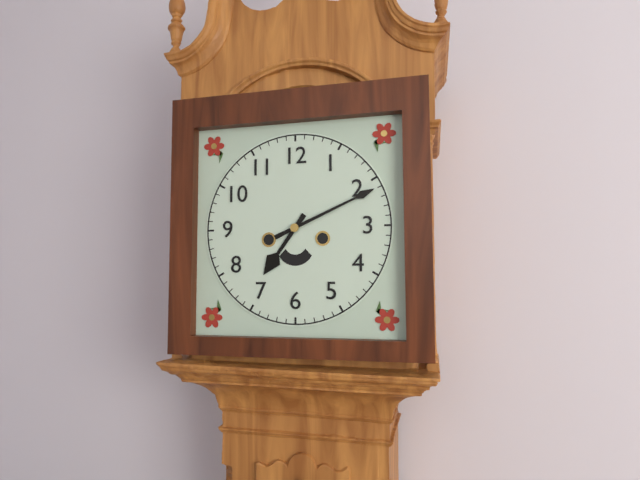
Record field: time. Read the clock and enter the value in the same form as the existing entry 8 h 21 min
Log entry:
7 h 11 min
